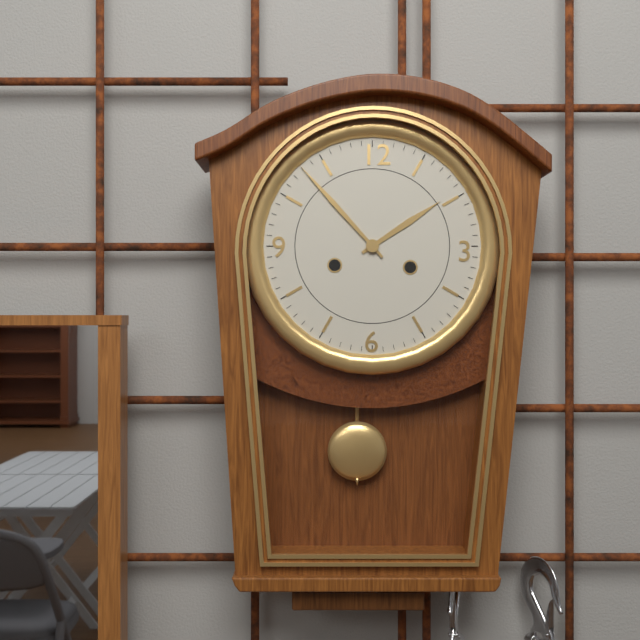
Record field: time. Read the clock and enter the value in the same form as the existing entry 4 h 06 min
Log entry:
1 h 53 min
